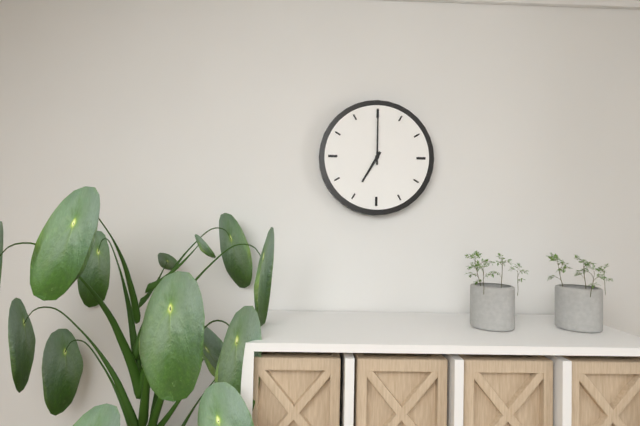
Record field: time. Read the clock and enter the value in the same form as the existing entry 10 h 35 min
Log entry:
7 h 00 min
